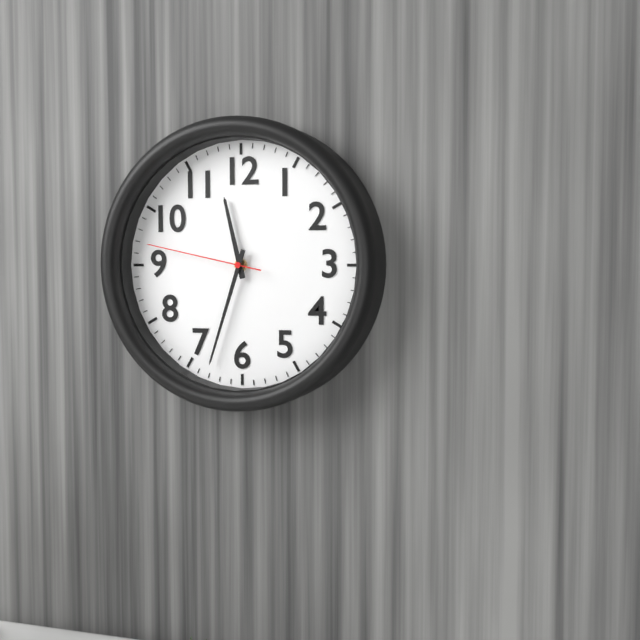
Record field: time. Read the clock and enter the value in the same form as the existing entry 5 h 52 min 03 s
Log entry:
11 h 33 min 47 s
